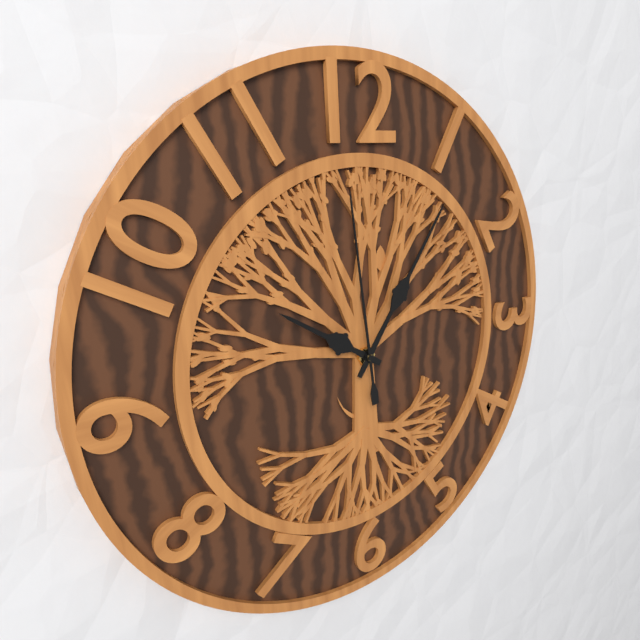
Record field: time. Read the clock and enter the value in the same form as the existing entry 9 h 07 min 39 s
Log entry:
10 h 06 min 59 s
